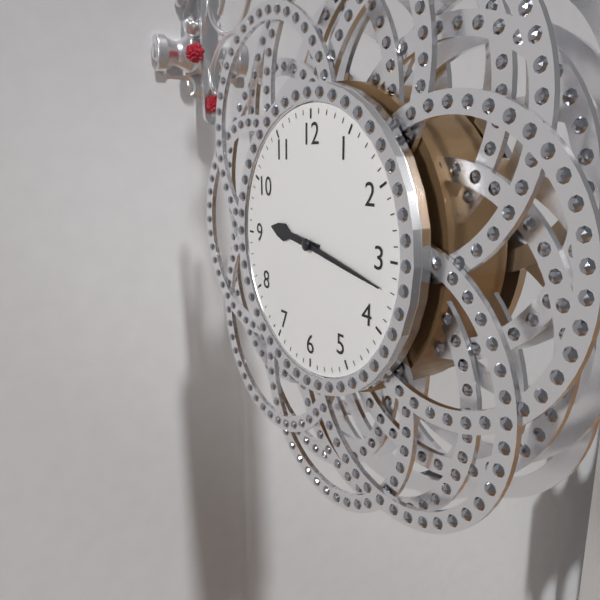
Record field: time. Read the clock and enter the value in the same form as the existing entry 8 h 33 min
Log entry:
9 h 17 min
